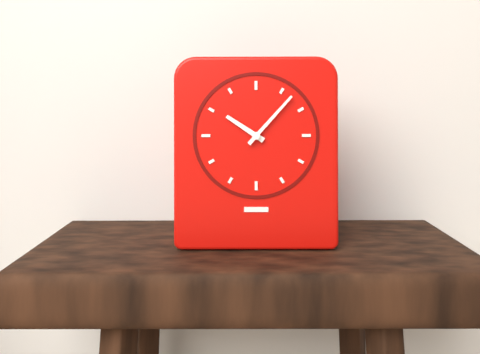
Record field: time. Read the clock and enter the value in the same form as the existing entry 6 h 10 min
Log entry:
10 h 07 min
